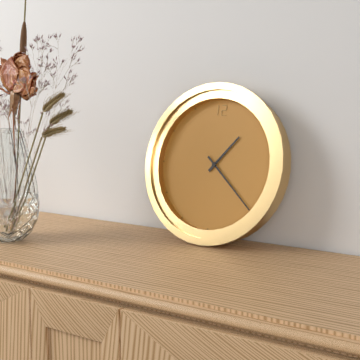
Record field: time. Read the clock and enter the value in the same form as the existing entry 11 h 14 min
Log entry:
1 h 22 min
